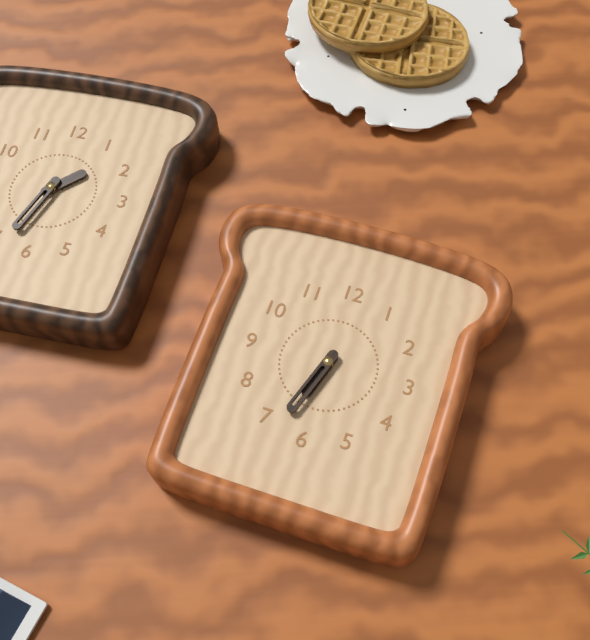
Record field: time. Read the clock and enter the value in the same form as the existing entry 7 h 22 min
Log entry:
6 h 33 min
